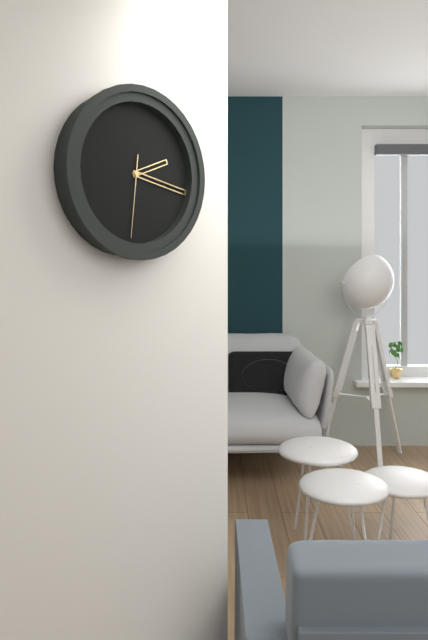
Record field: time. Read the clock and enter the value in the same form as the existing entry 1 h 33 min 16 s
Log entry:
2 h 17 min 31 s
